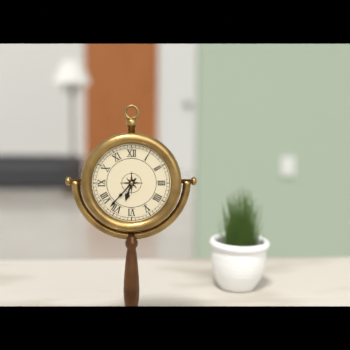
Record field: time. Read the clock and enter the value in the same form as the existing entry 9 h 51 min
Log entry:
6 h 37 min
